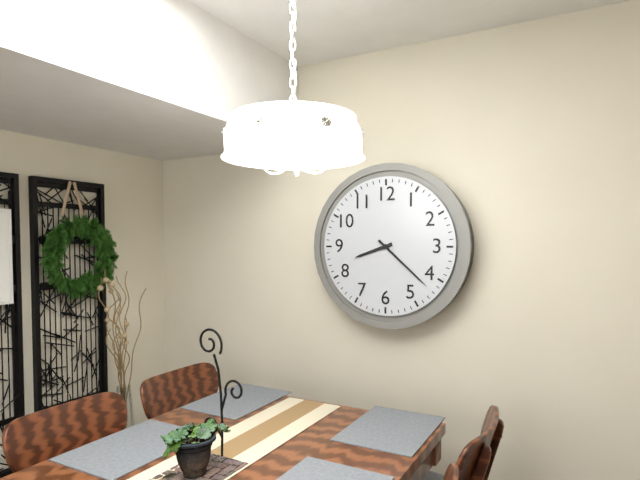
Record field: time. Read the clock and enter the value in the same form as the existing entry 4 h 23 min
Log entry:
8 h 22 min
